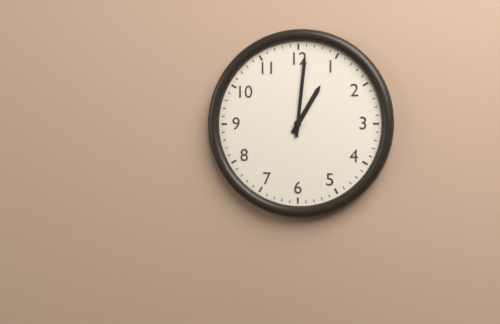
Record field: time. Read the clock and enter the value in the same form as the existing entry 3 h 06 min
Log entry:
1 h 01 min
